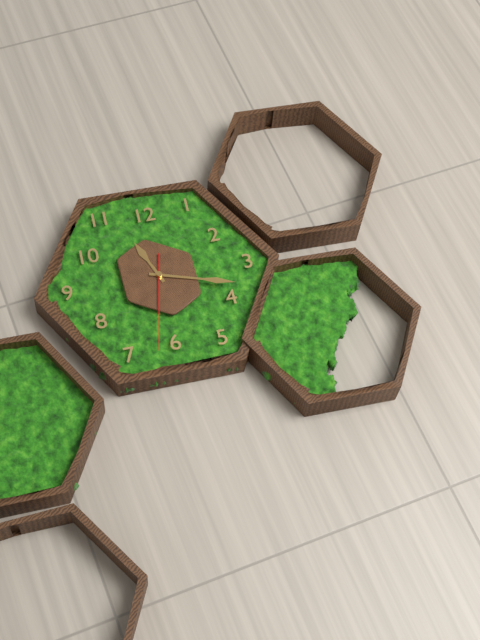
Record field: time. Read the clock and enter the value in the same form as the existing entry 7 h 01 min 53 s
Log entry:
11 h 18 min 32 s
